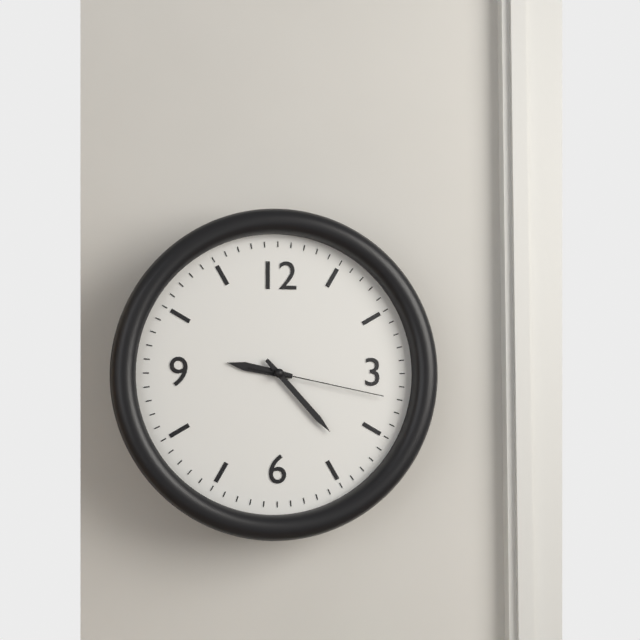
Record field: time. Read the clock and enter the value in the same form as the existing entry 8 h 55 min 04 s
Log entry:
9 h 23 min 17 s
